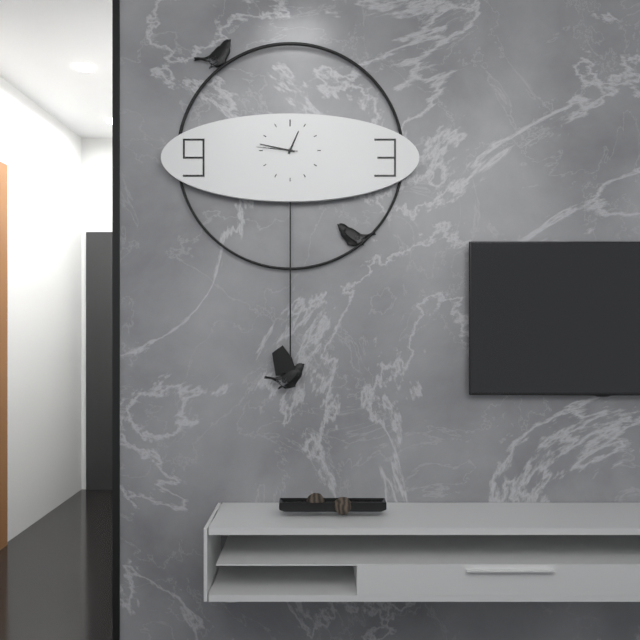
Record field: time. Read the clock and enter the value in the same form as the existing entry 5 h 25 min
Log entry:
12 h 47 min
